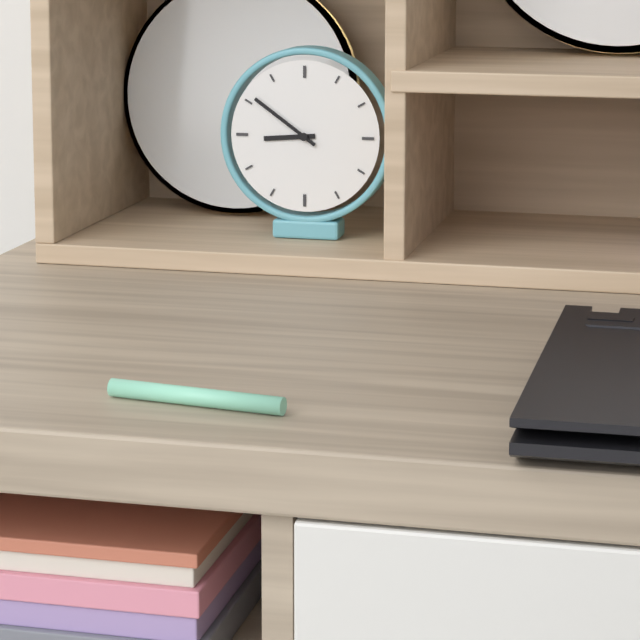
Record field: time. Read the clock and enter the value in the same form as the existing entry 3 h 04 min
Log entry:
8 h 51 min
